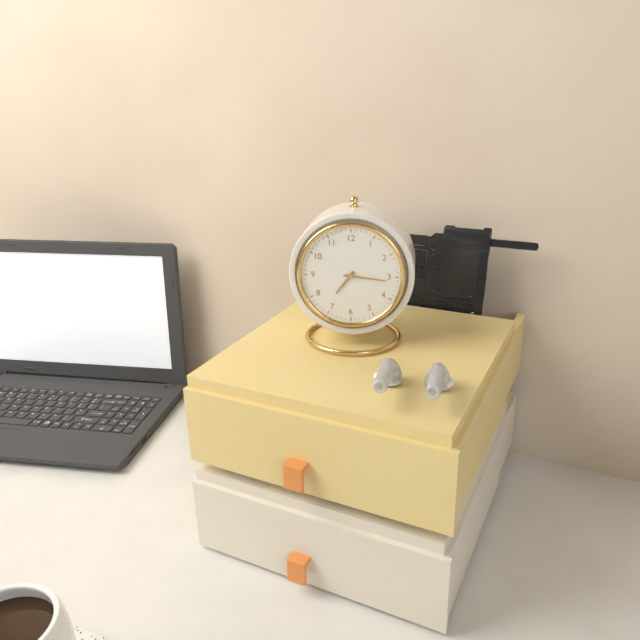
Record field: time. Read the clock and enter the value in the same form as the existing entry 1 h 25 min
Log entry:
7 h 16 min
